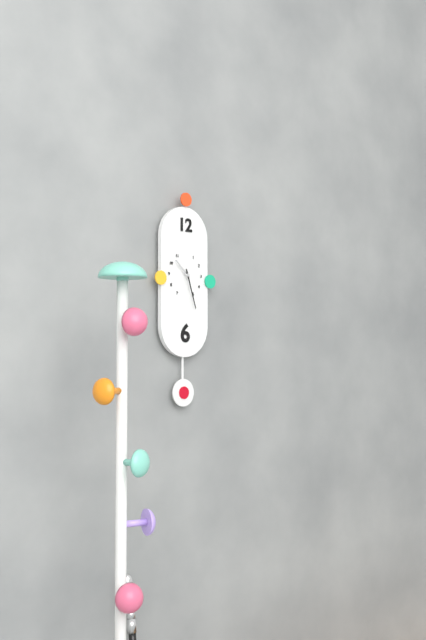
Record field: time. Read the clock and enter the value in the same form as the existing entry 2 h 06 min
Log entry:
10 h 27 min
